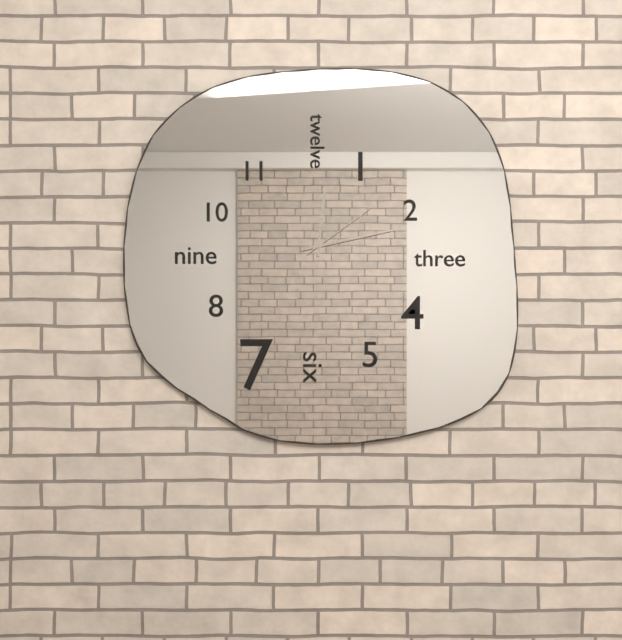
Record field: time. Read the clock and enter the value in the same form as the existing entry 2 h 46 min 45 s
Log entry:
12 h 13 min 09 s
